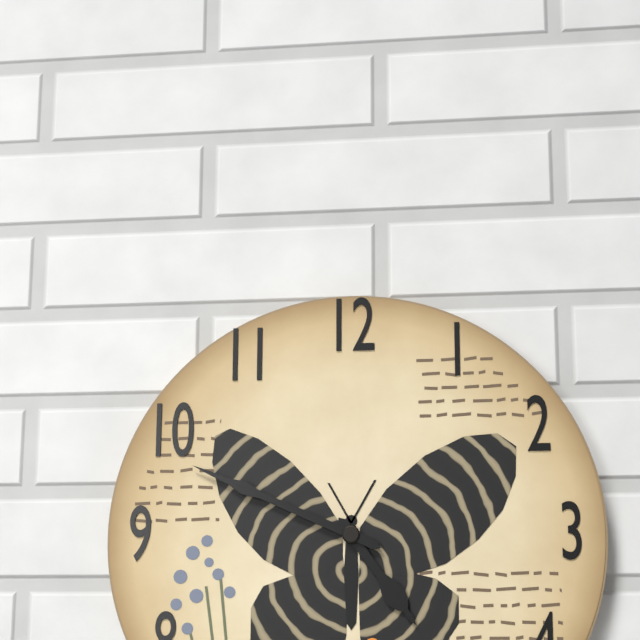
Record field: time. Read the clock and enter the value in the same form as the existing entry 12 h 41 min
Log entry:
4 h 49 min
